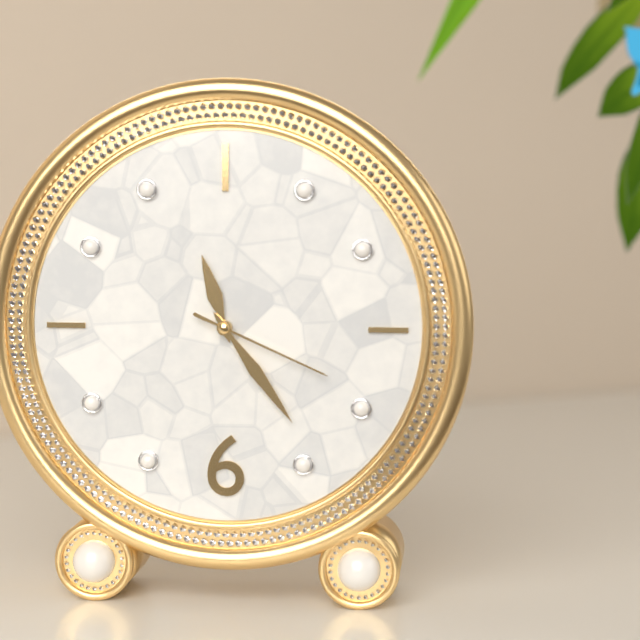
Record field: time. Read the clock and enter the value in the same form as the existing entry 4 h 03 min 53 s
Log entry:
11 h 24 min 19 s
